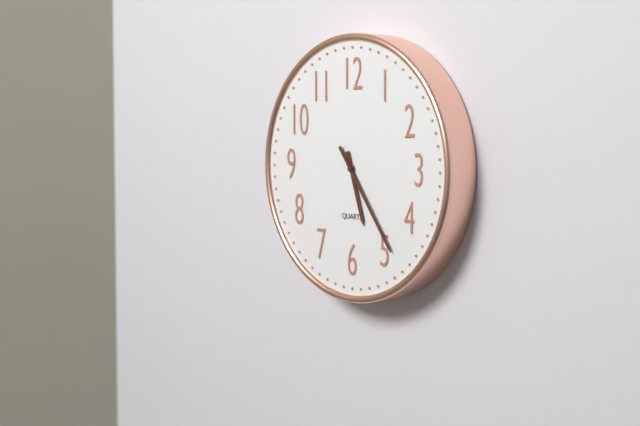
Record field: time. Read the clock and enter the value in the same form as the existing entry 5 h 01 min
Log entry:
5 h 24 min
